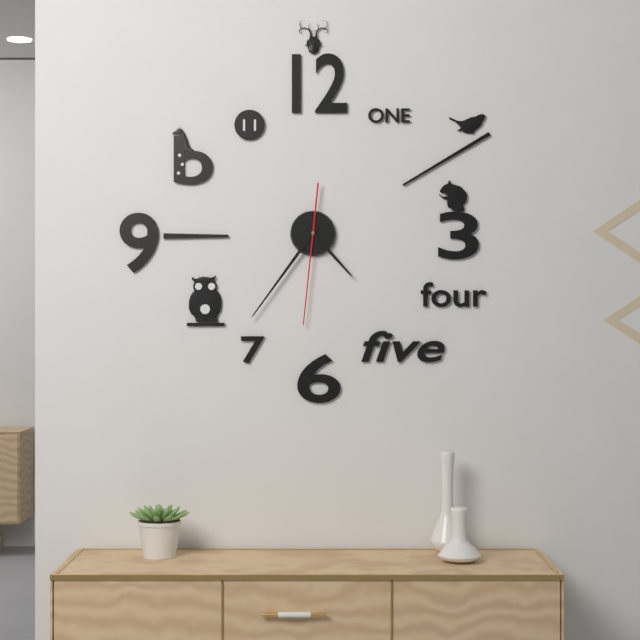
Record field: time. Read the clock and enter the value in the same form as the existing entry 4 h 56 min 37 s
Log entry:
4 h 36 min 31 s
